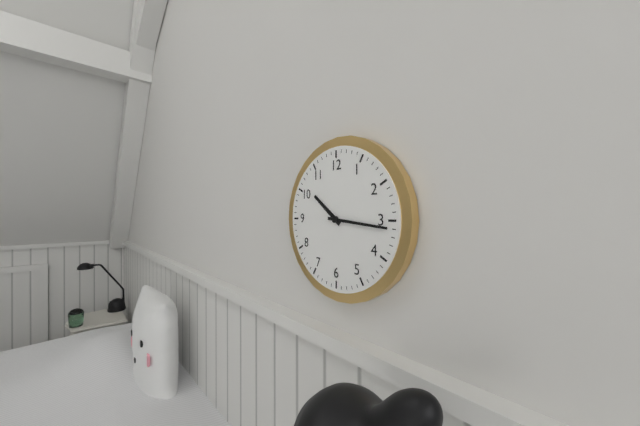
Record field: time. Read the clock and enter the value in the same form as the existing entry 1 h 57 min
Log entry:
10 h 16 min
